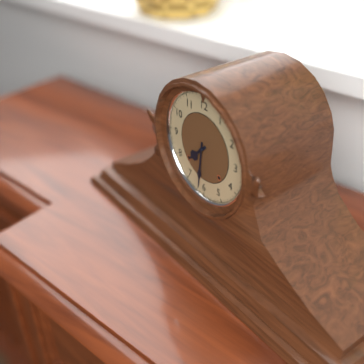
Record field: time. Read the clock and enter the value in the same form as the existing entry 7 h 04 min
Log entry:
7 h 31 min
